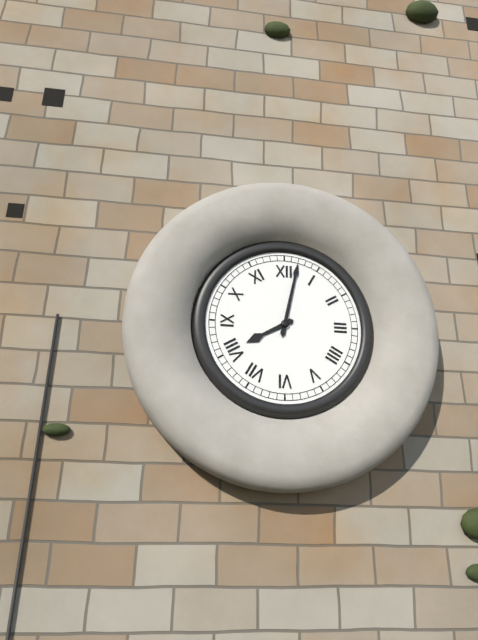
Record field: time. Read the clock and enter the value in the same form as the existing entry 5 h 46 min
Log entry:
8 h 02 min
